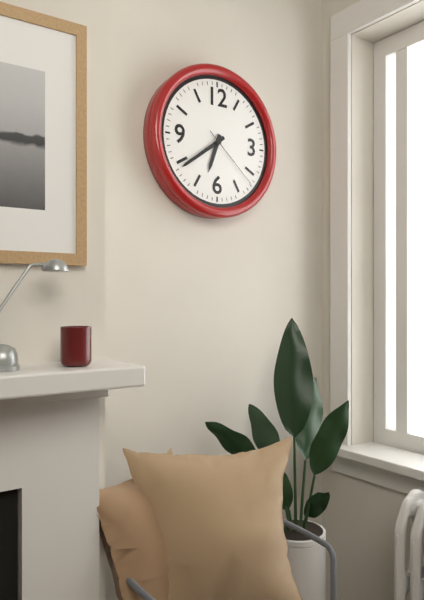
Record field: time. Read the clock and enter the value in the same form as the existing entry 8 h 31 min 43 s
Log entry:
6 h 39 min 22 s
